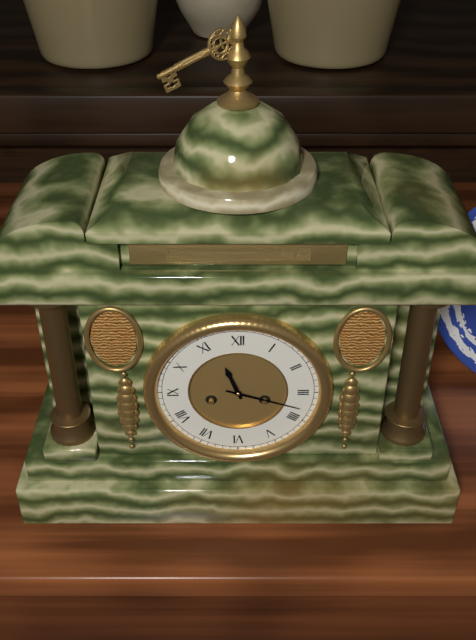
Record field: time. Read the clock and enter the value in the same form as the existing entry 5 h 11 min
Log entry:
11 h 18 min
